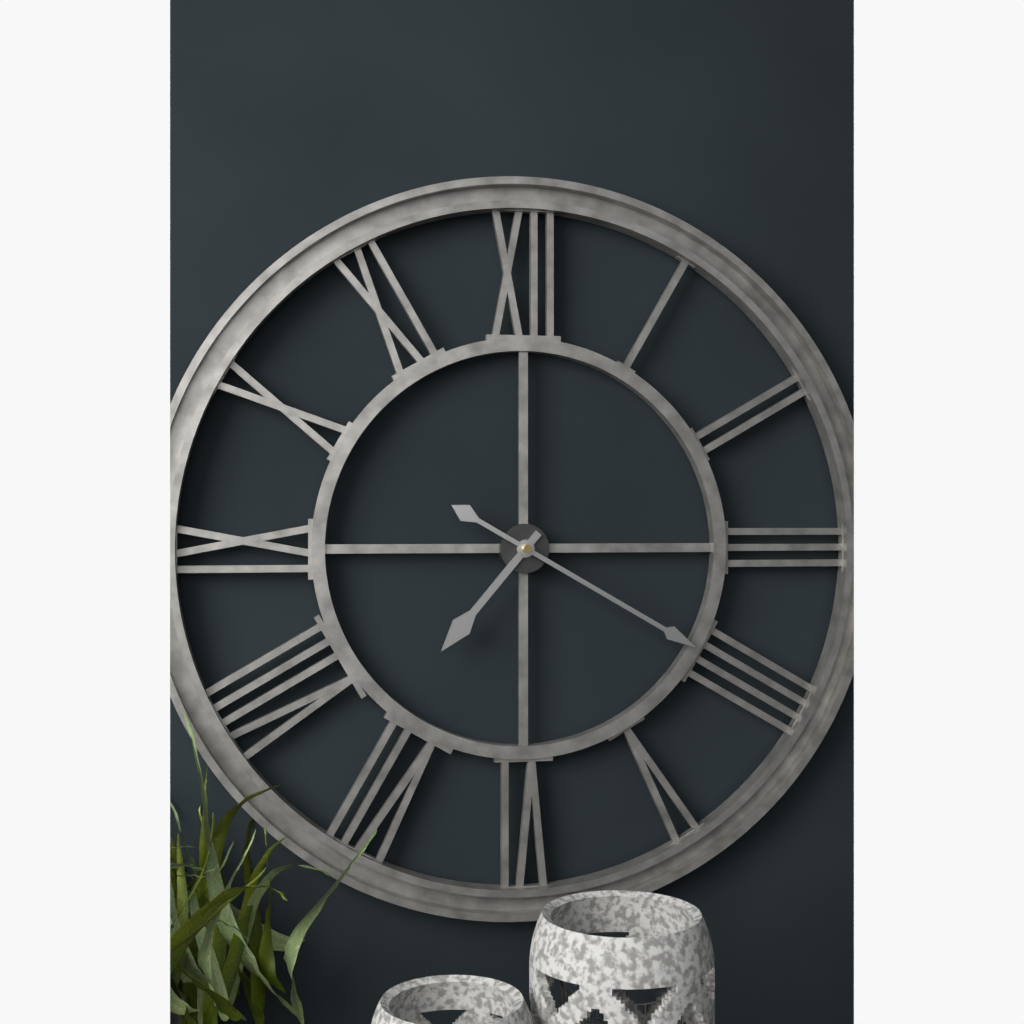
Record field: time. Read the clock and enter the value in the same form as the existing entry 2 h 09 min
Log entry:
7 h 20 min
